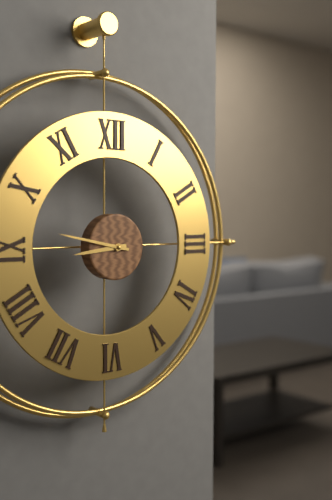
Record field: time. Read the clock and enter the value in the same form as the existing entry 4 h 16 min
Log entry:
8 h 47 min
